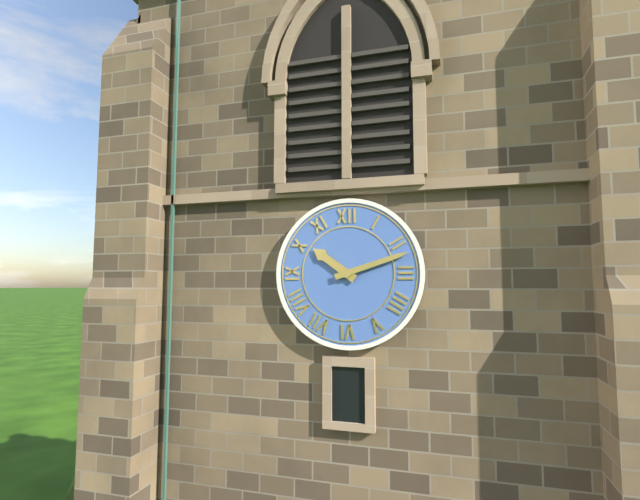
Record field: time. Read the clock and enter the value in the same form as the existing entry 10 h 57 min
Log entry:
10 h 12 min
